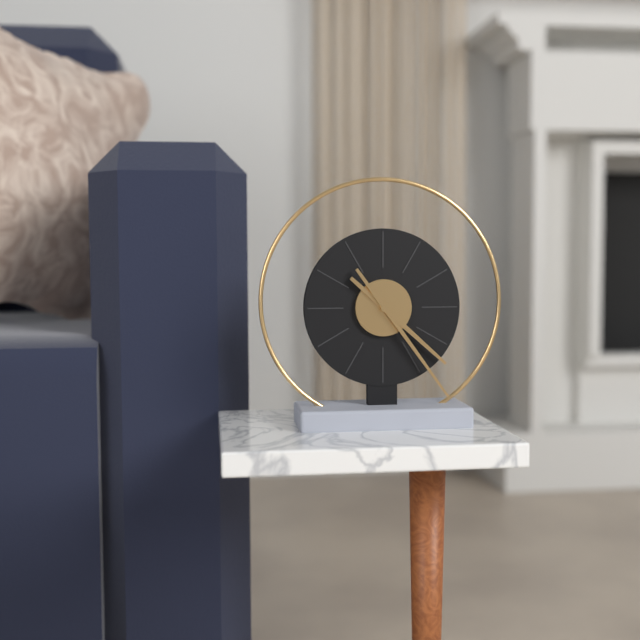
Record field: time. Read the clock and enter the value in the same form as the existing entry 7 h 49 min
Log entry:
4 h 24 min
